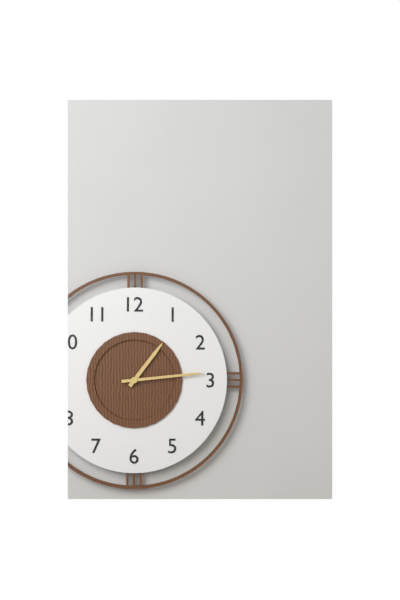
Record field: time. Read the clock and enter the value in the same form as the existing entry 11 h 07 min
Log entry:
1 h 14 min
